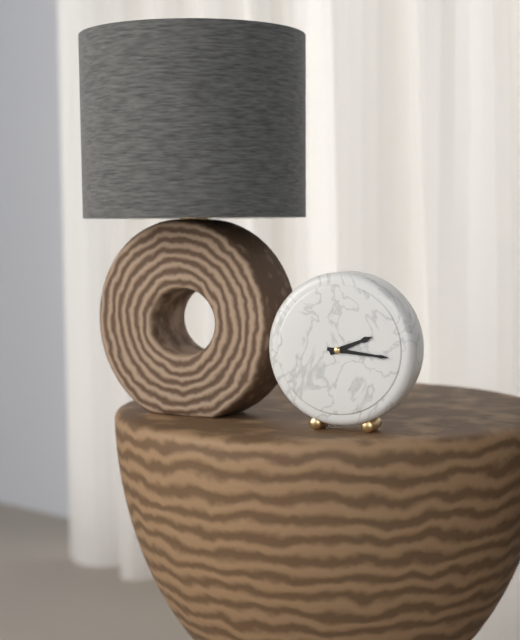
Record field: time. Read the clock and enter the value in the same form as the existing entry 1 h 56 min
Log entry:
2 h 16 min
